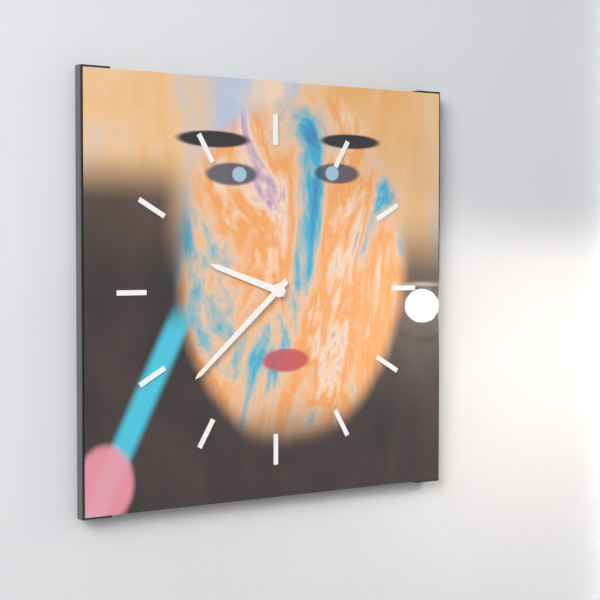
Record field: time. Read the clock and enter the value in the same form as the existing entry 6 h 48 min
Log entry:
9 h 38 min
